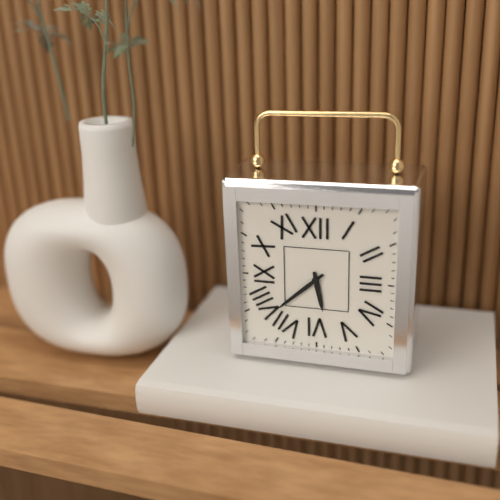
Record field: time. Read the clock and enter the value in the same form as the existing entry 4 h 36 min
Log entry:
5 h 38 min
